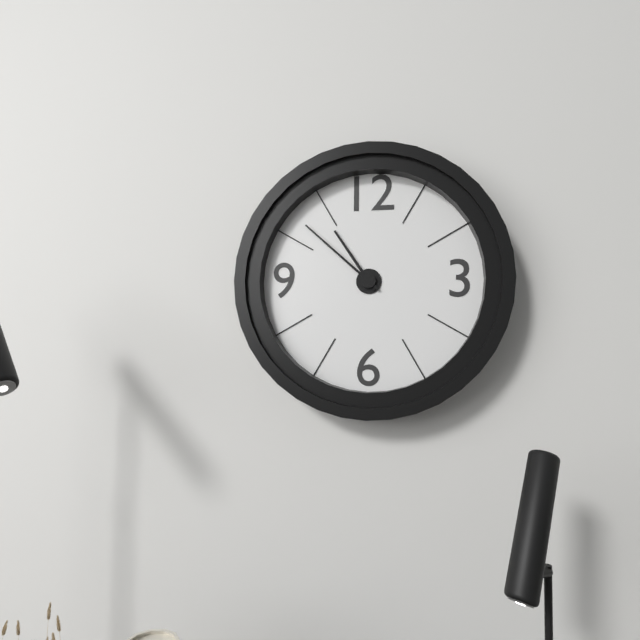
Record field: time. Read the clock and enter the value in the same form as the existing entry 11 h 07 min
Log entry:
10 h 52 min
